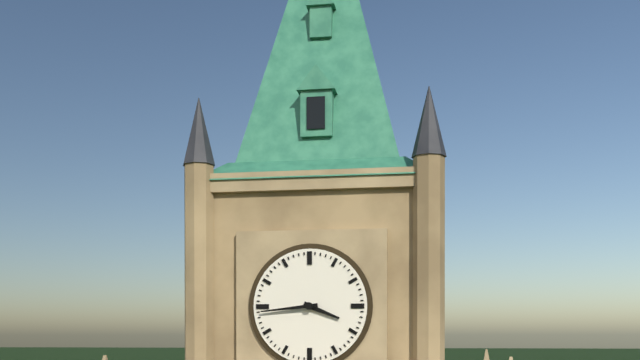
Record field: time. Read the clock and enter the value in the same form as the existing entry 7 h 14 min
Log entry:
3 h 44 min
